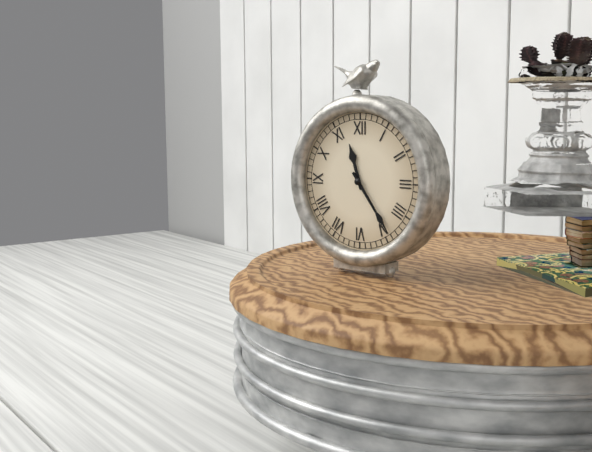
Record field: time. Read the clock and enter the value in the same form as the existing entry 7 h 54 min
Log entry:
11 h 24 min
